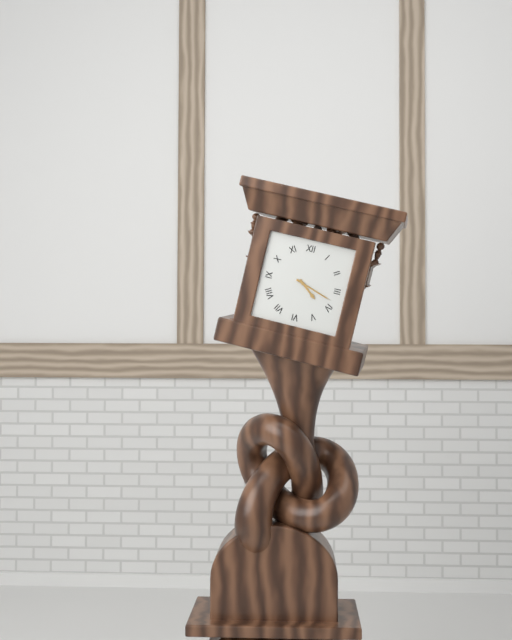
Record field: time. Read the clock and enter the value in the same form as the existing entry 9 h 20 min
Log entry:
4 h 18 min
